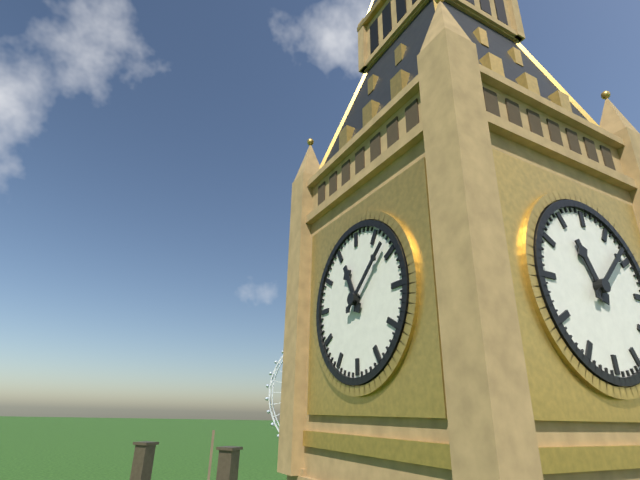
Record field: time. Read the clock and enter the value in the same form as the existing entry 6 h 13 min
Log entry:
11 h 08 min
